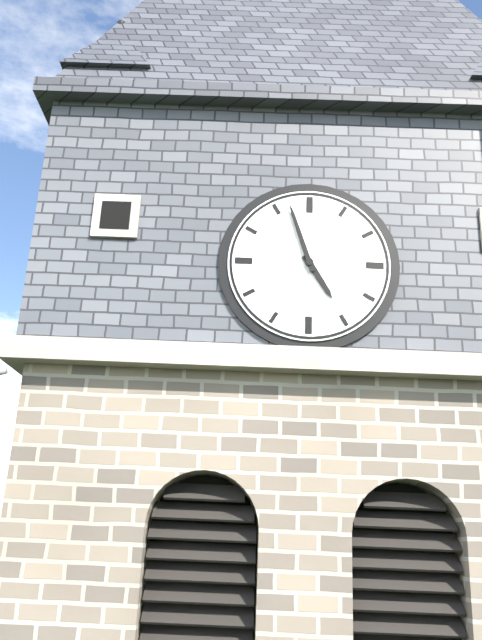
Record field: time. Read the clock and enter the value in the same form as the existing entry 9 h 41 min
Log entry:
4 h 57 min
